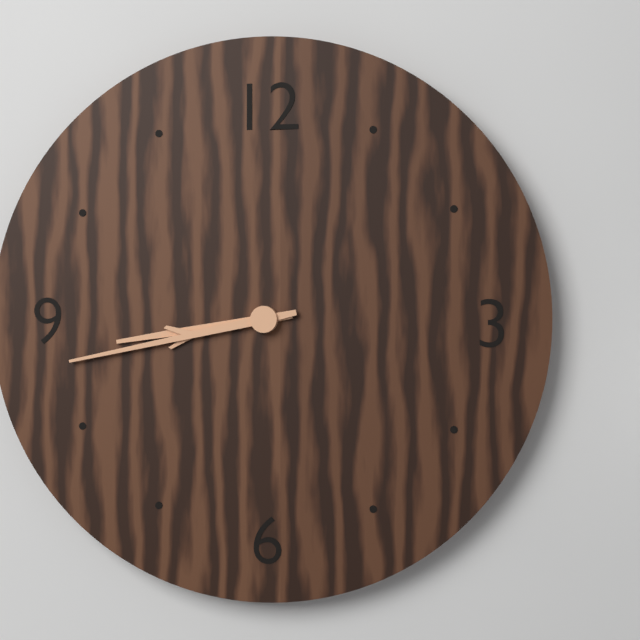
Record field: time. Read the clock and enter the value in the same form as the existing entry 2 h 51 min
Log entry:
8 h 43 min
